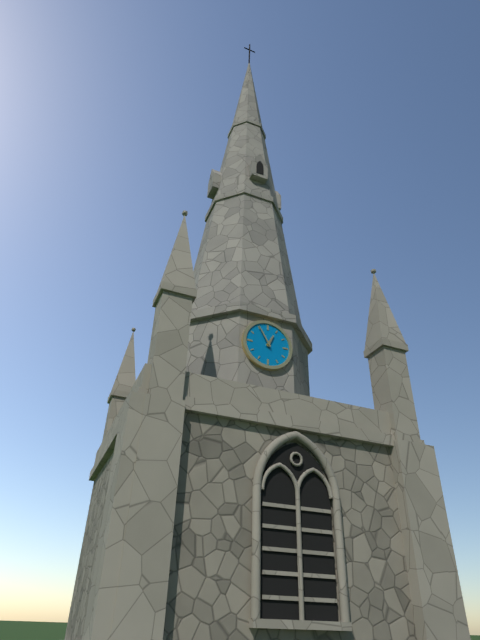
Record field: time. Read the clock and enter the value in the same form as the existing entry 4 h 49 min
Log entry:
12 h 55 min
